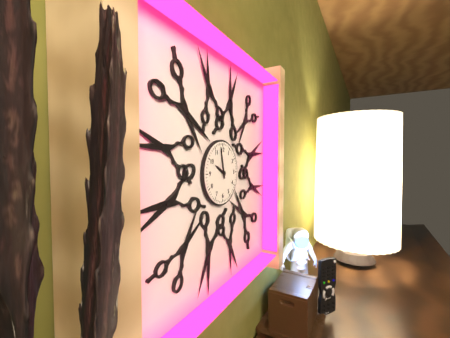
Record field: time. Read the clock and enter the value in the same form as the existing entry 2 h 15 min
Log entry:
9 h 58 min
